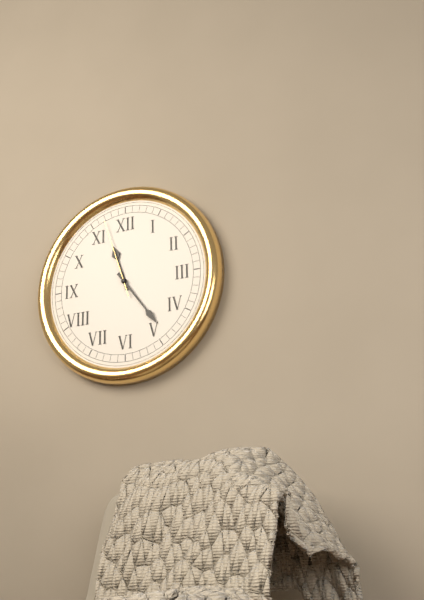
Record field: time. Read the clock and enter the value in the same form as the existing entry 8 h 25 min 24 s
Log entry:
11 h 24 min 57 s
